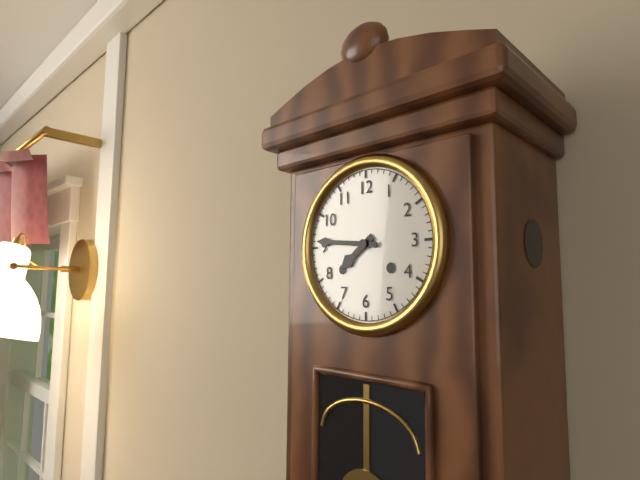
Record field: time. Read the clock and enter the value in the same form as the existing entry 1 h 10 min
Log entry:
7 h 46 min
